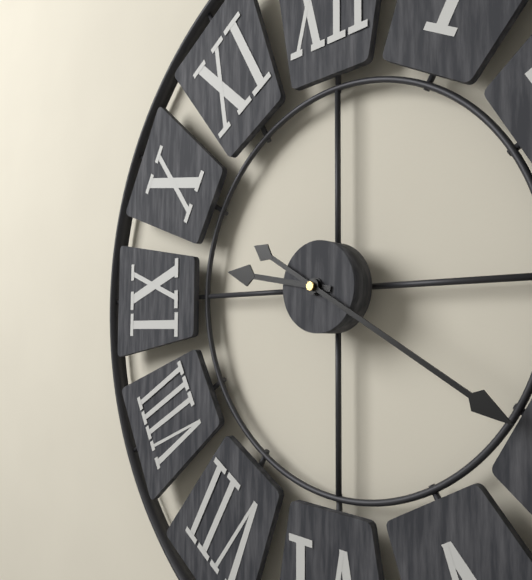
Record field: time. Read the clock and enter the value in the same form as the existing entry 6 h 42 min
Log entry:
9 h 20 min
